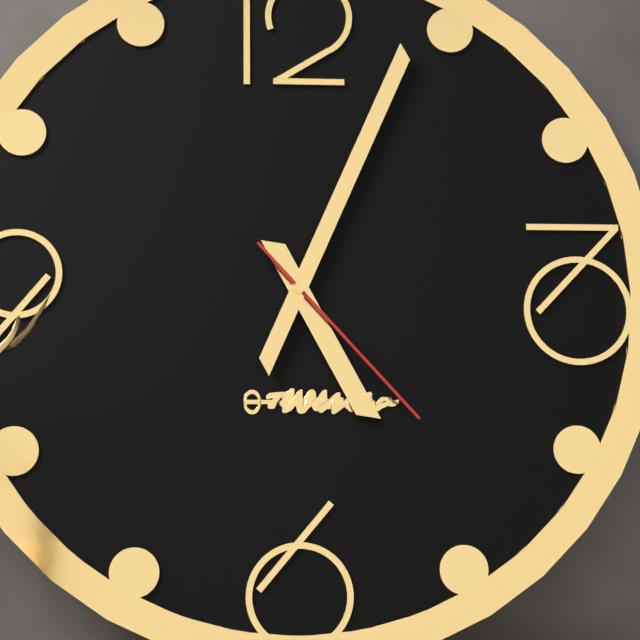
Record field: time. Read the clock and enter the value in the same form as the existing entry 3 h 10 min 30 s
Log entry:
5 h 04 min 23 s
